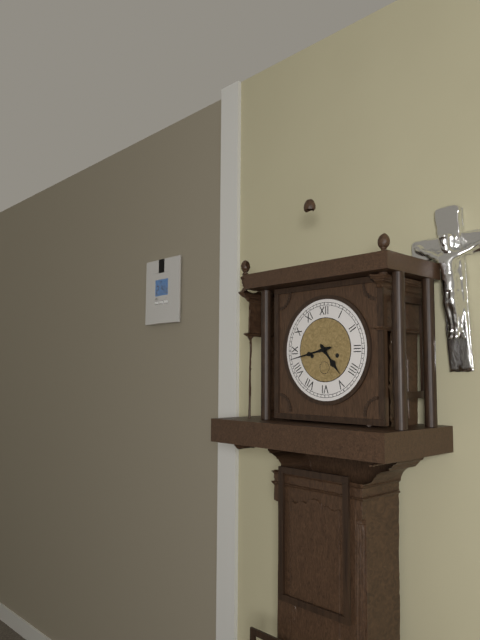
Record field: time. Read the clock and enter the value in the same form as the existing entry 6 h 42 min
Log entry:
4 h 43 min
